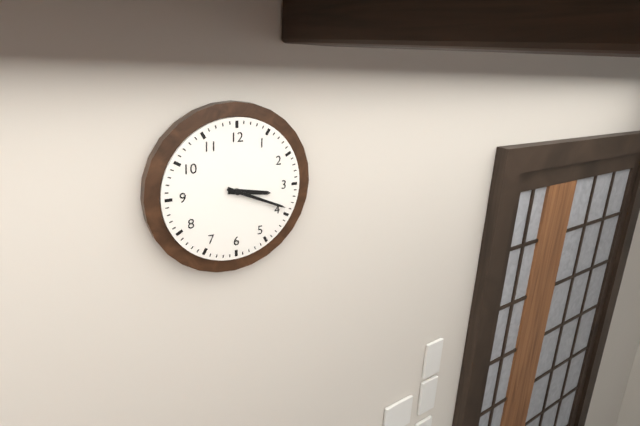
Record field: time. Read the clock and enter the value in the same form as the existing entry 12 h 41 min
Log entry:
3 h 19 min
